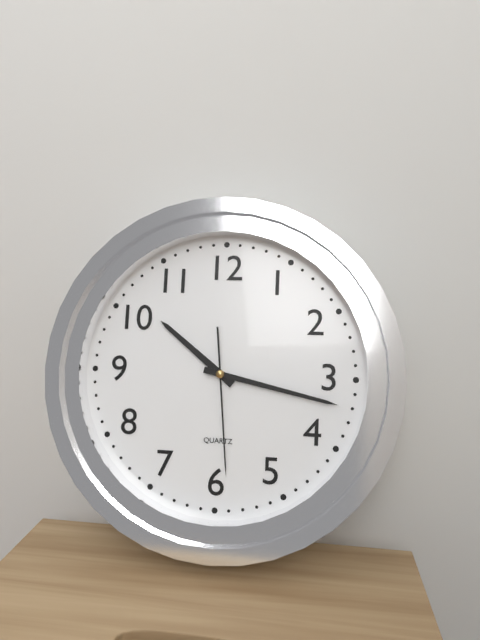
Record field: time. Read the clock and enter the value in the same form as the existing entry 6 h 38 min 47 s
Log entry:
10 h 17 min 29 s
